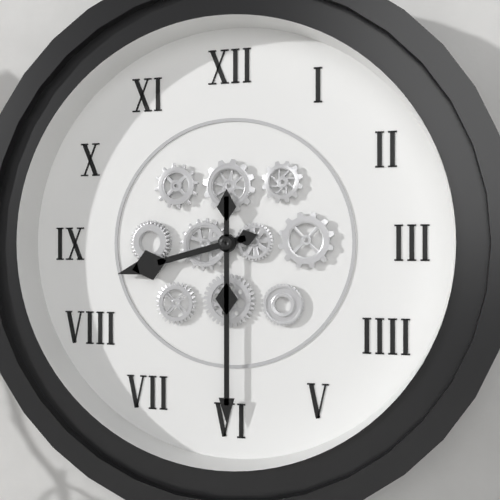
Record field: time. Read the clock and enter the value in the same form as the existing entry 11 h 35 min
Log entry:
8 h 30 min
